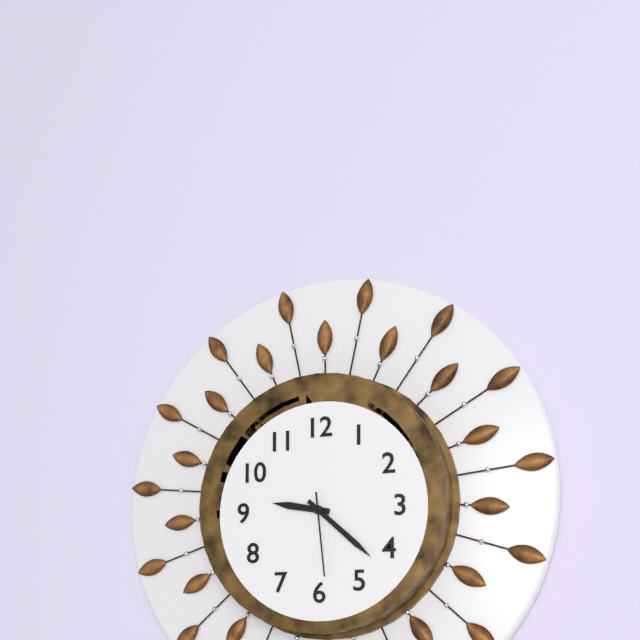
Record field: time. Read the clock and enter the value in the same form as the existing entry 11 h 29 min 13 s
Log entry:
9 h 22 min 29 s
